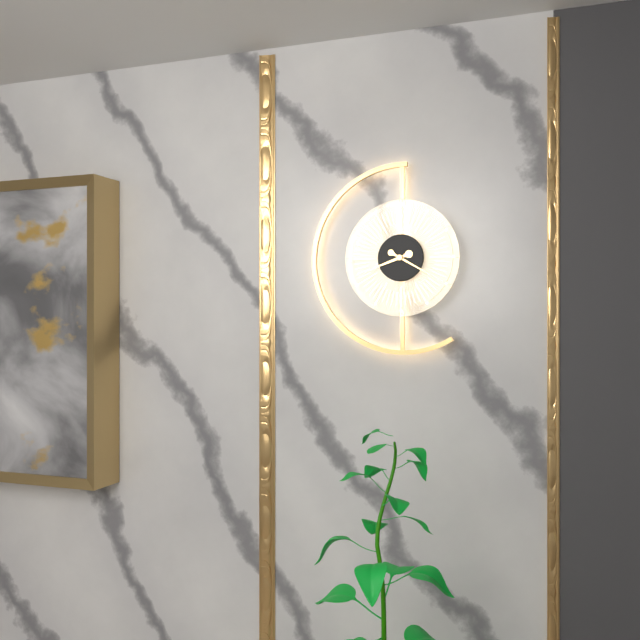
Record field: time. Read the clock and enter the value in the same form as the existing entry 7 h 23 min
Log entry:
8 h 20 min
